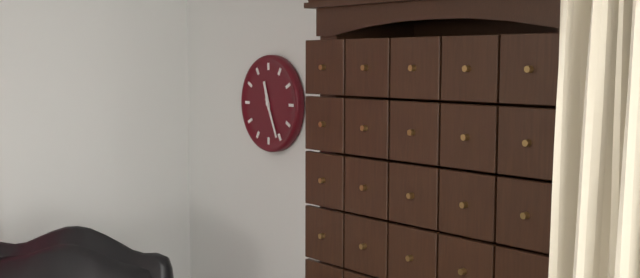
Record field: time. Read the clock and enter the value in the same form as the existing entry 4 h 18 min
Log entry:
11 h 26 min
